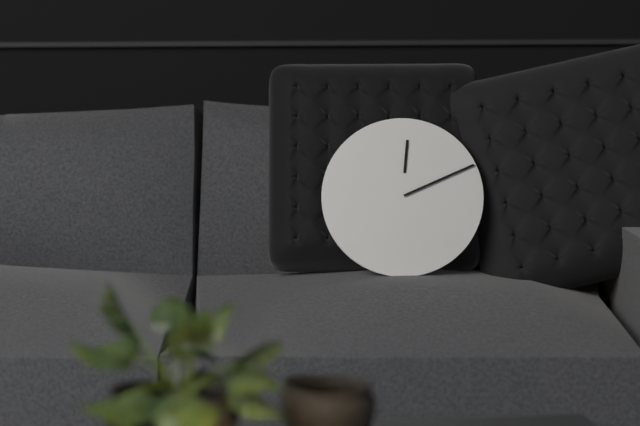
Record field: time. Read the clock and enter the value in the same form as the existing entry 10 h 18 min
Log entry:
12 h 11 min
